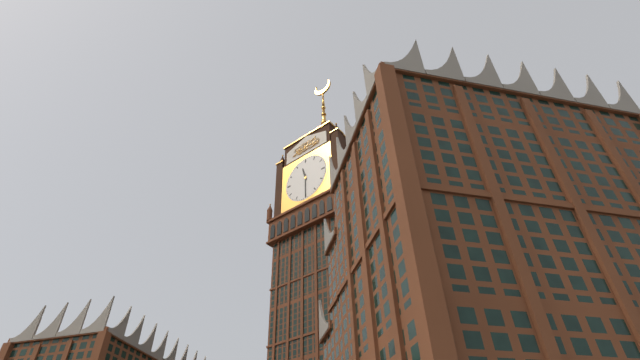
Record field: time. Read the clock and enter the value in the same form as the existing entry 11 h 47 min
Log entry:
11 h 30 min
